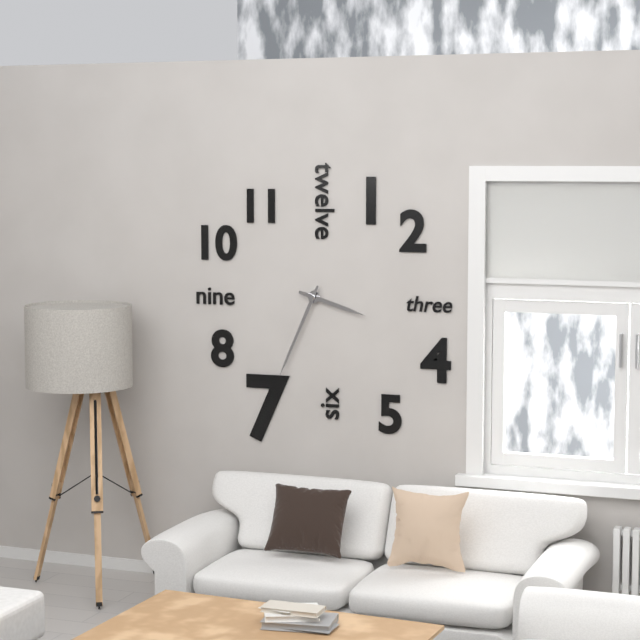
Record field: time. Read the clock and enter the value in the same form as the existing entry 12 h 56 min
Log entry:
3 h 34 min
